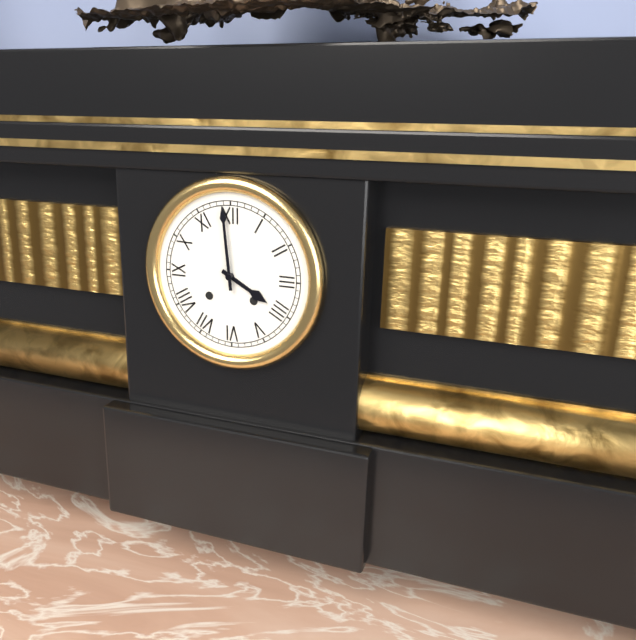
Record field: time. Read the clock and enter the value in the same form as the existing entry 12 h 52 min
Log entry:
3 h 59 min
